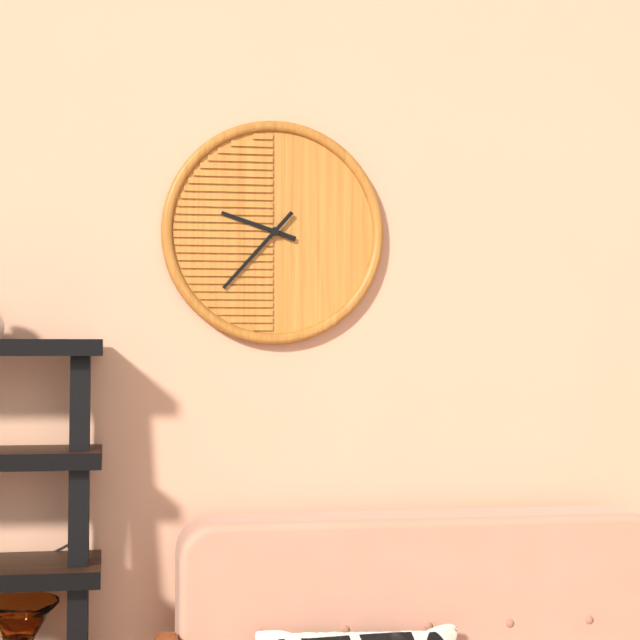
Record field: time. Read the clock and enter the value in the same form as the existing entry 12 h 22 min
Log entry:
9 h 37 min
